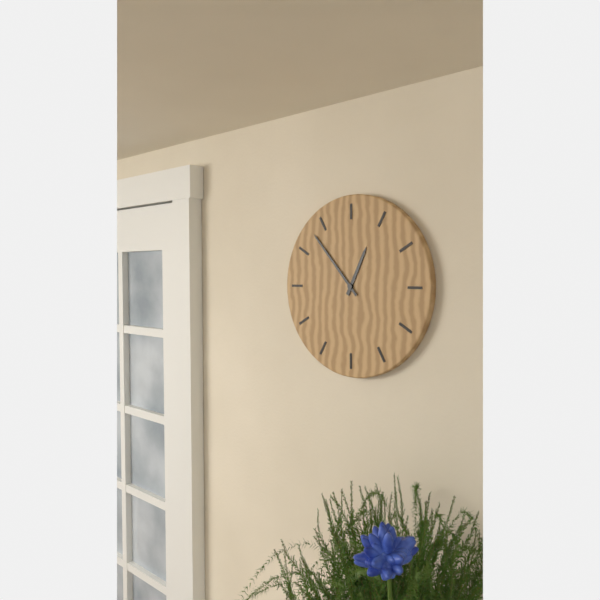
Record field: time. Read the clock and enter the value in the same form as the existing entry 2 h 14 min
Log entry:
12 h 53 min
